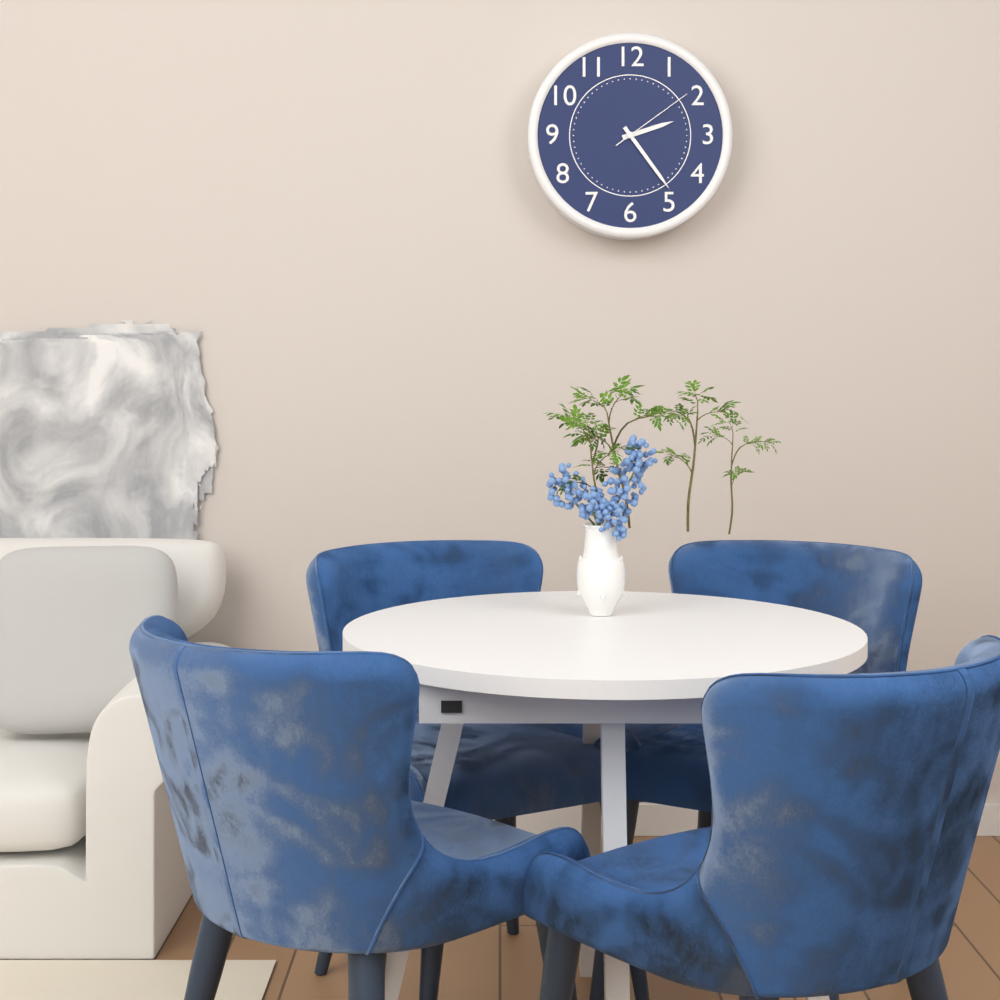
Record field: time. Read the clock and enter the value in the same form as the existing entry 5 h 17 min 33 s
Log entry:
2 h 24 min 09 s
